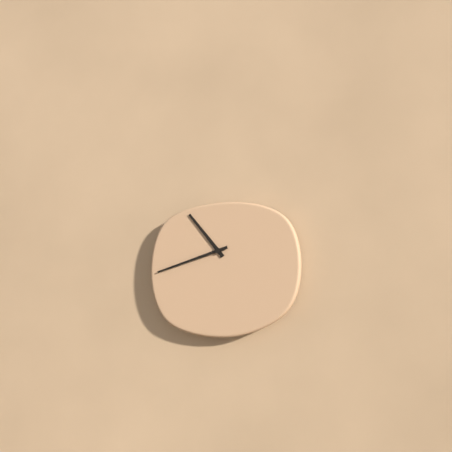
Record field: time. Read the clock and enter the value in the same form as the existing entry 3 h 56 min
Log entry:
10 h 42 min
